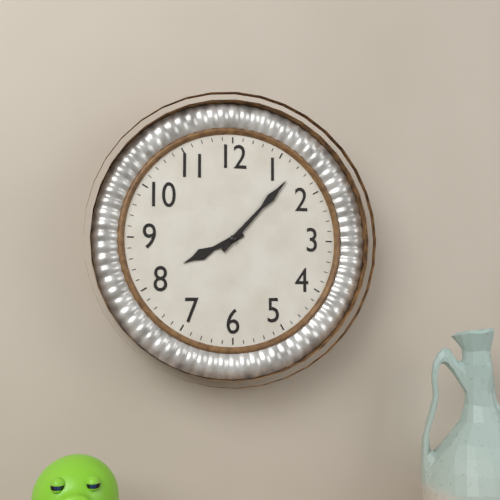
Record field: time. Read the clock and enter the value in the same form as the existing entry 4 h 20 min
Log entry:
8 h 07 min
